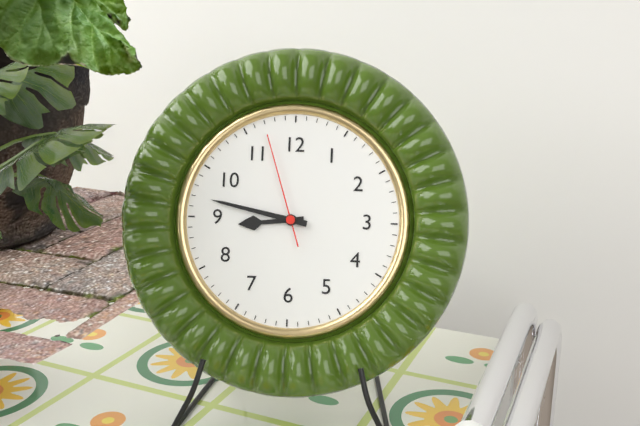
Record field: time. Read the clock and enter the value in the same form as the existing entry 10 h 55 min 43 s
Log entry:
8 h 47 min 57 s
